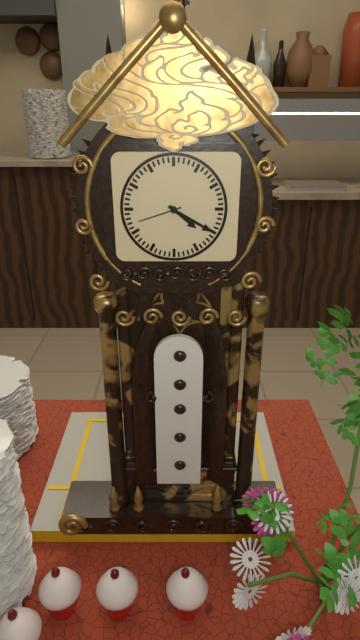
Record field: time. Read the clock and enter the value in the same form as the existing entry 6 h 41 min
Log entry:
4 h 20 min
